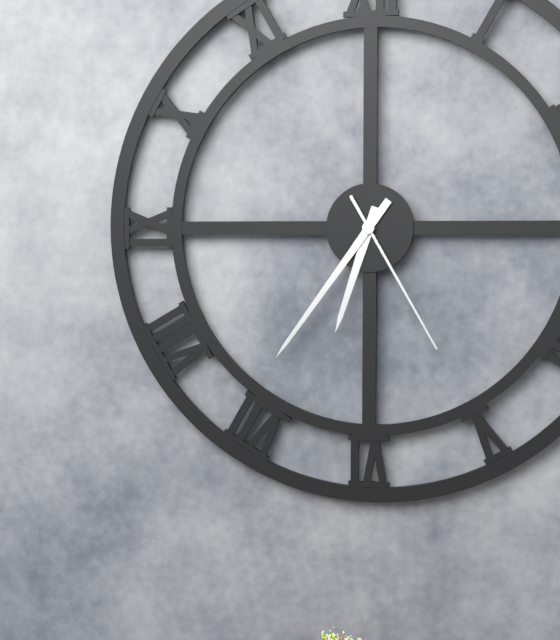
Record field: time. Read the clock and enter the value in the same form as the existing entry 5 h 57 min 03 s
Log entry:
6 h 36 min 25 s
